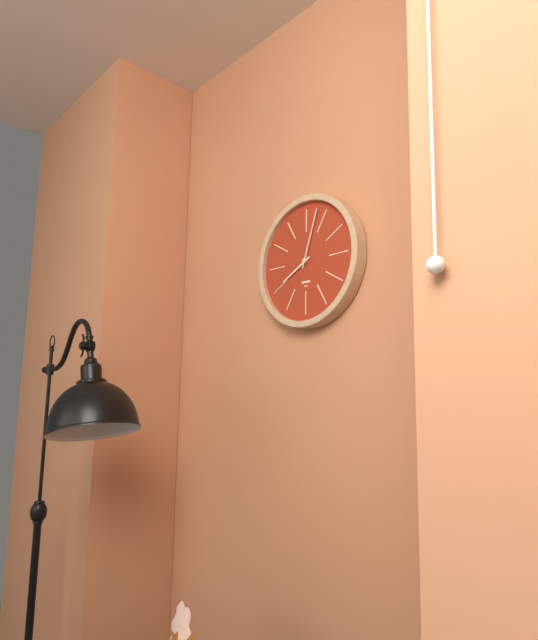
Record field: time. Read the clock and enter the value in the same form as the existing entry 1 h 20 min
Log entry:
8 h 03 min
